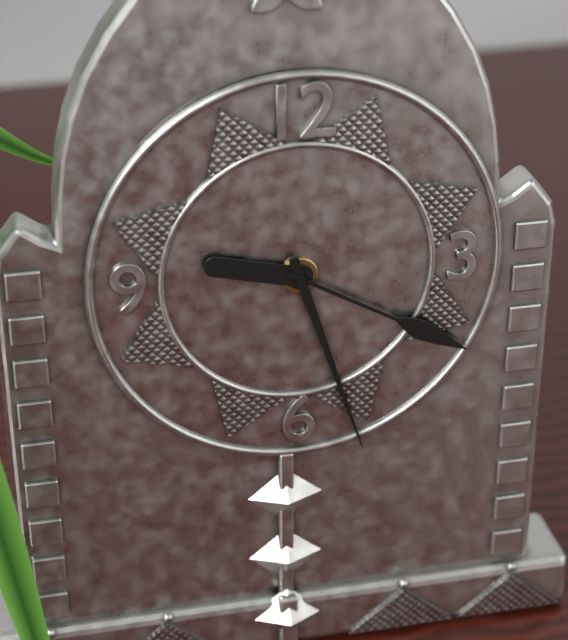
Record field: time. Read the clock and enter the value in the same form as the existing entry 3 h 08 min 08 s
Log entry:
9 h 27 min 20 s
